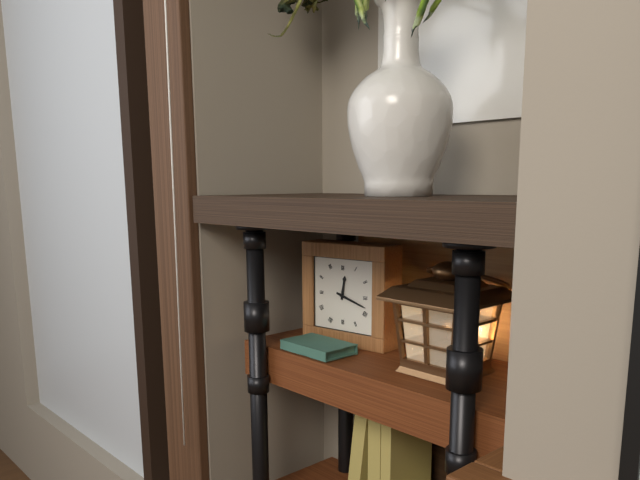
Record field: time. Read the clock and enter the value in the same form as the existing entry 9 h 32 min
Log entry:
12 h 18 min
